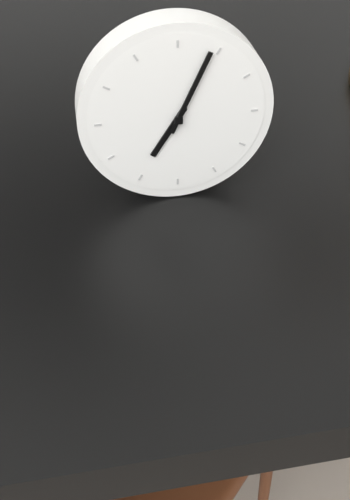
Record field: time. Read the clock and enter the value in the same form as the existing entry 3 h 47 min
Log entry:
7 h 04 min
